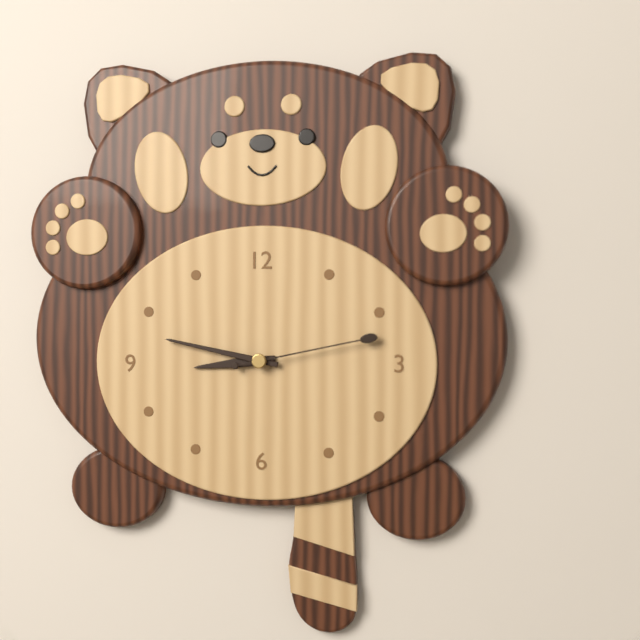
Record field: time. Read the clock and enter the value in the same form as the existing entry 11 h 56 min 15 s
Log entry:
8 h 47 min 13 s
